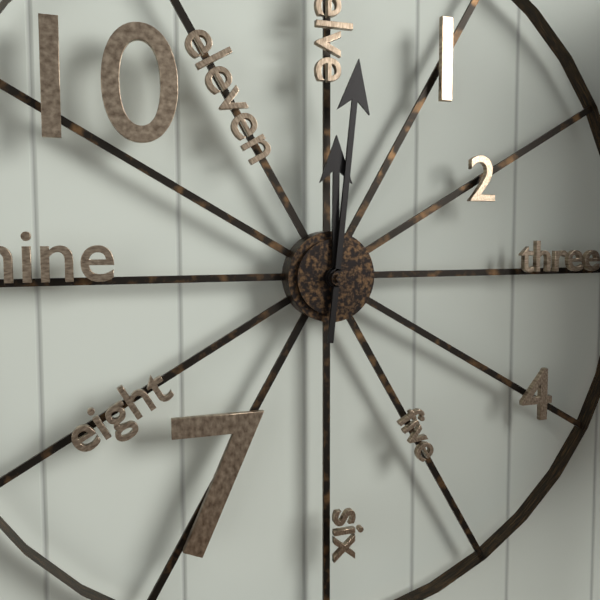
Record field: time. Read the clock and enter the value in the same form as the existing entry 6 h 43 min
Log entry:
12 h 01 min
